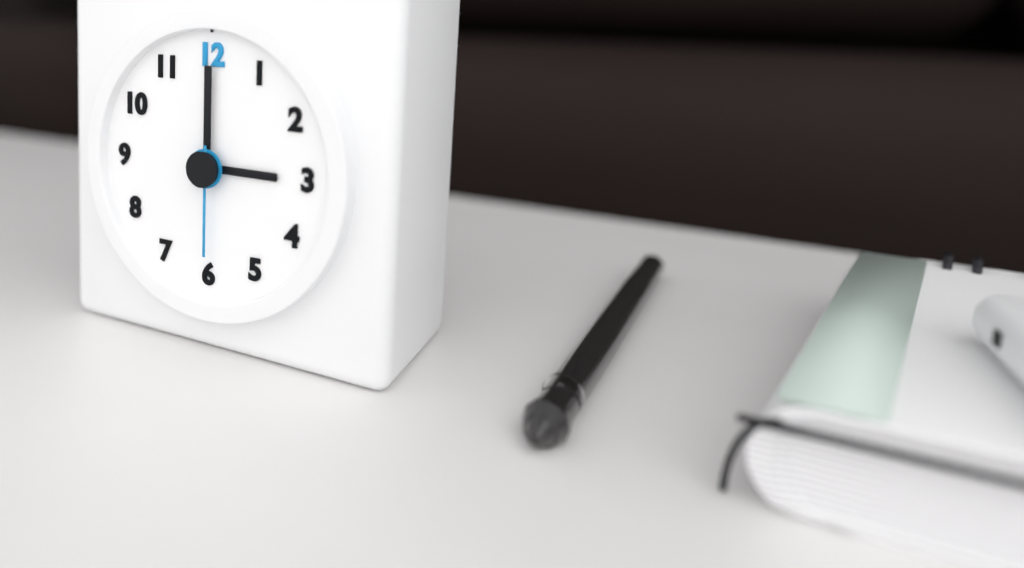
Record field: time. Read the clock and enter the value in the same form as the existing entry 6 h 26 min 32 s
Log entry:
3 h 00 min 30 s
